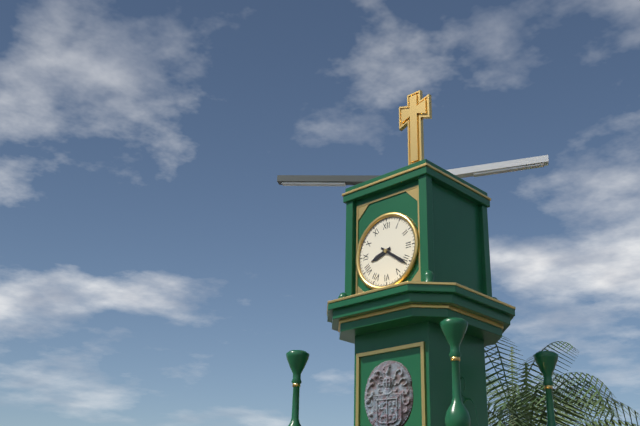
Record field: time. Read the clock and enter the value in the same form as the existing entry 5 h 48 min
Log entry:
8 h 21 min
